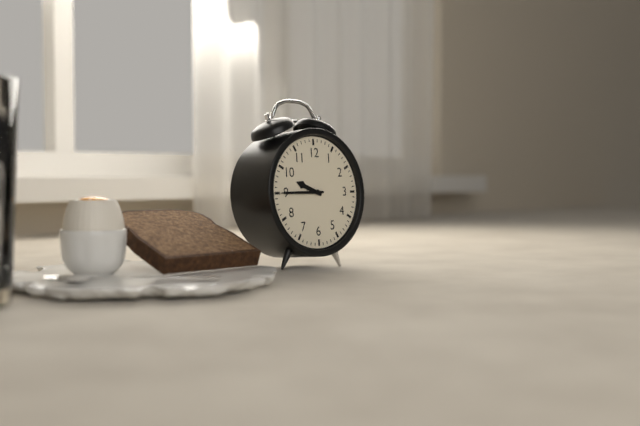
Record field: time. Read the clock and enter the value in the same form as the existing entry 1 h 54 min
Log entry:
9 h 45 min
